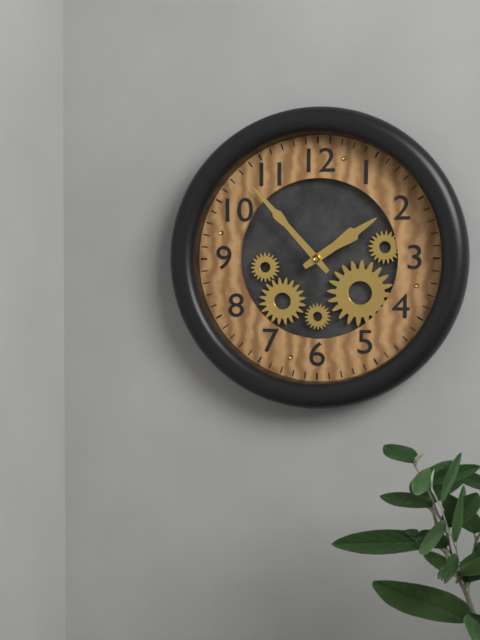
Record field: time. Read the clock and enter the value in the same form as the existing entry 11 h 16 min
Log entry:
1 h 53 min
